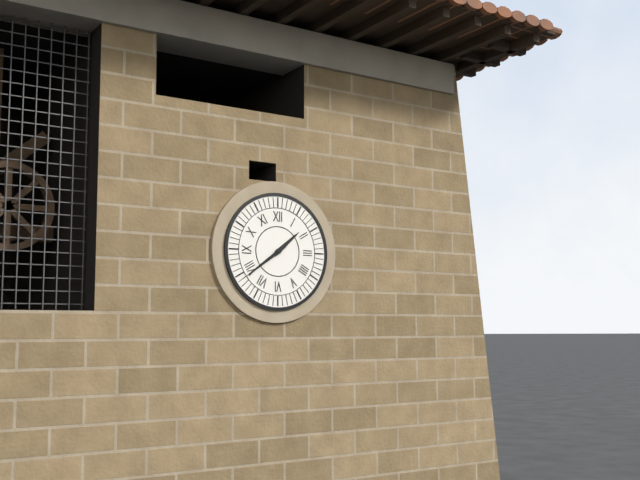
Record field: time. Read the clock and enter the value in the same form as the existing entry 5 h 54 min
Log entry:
1 h 39 min
